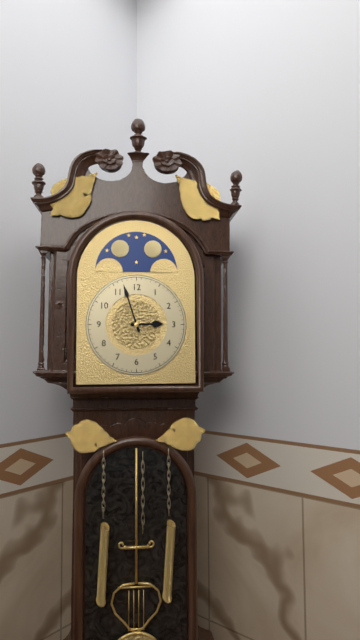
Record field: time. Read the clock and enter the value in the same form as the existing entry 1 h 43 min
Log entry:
2 h 57 min
